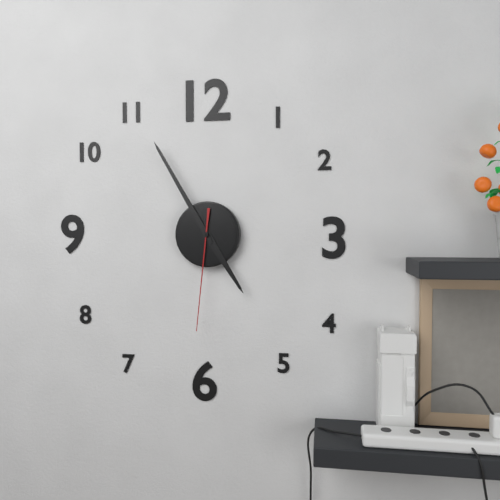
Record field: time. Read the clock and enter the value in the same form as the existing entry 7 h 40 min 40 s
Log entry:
4 h 55 min 31 s
